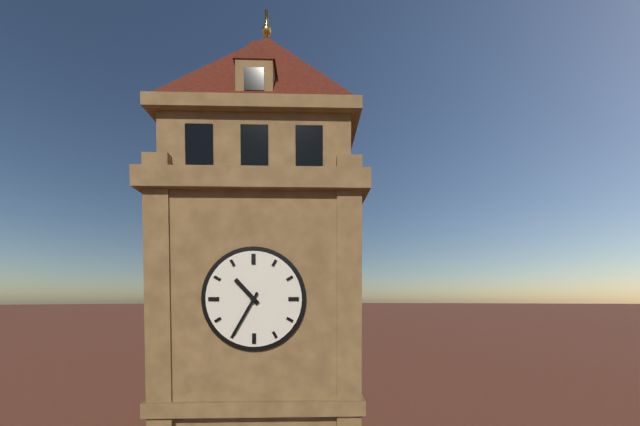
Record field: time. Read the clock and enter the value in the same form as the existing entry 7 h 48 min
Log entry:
10 h 35 min
